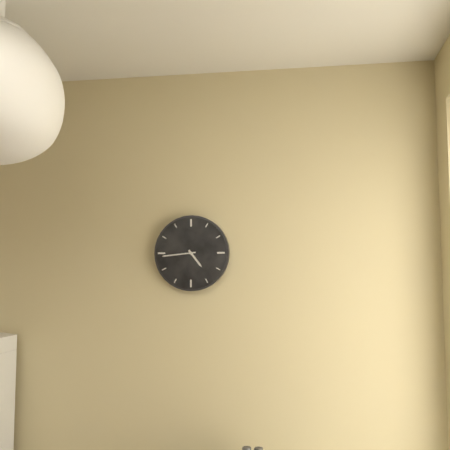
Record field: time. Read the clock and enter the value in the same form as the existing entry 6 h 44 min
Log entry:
4 h 44 min
